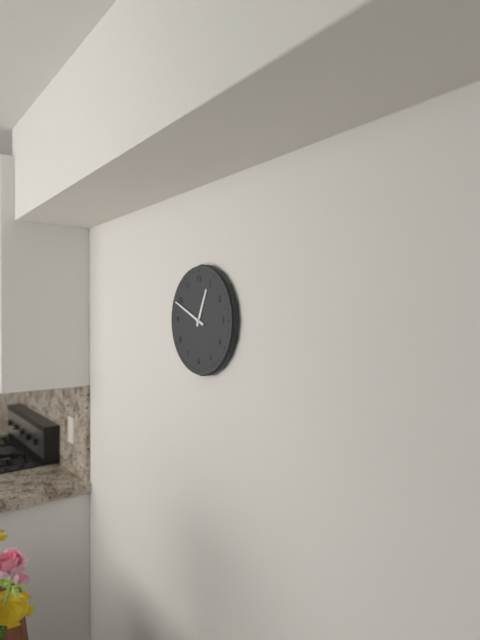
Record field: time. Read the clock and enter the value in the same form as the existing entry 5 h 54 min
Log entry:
12 h 49 min
